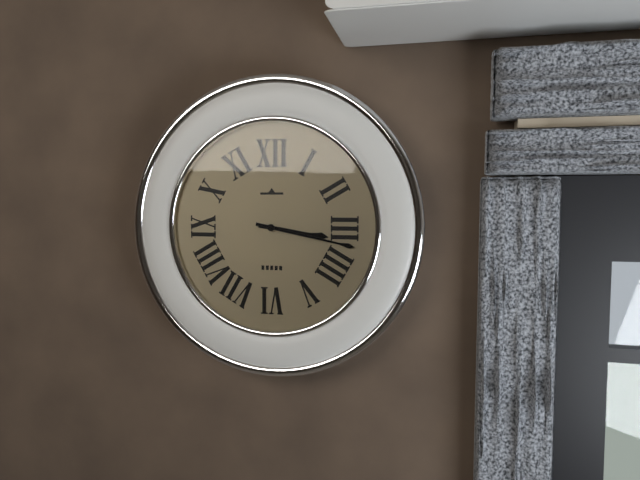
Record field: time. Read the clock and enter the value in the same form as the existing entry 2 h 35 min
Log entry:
3 h 17 min
